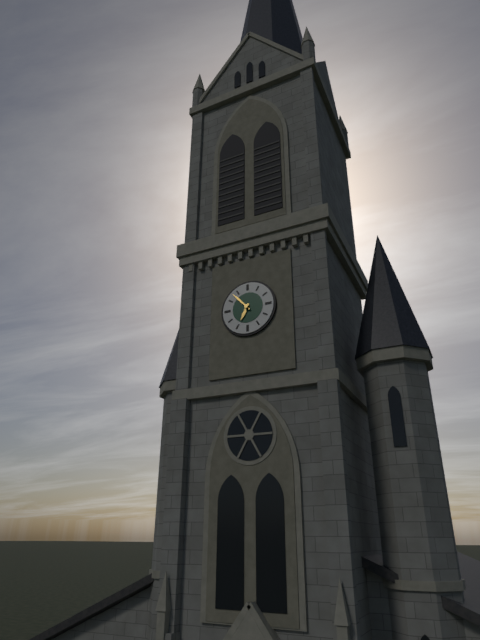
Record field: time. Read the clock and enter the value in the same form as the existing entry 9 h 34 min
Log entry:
6 h 53 min
